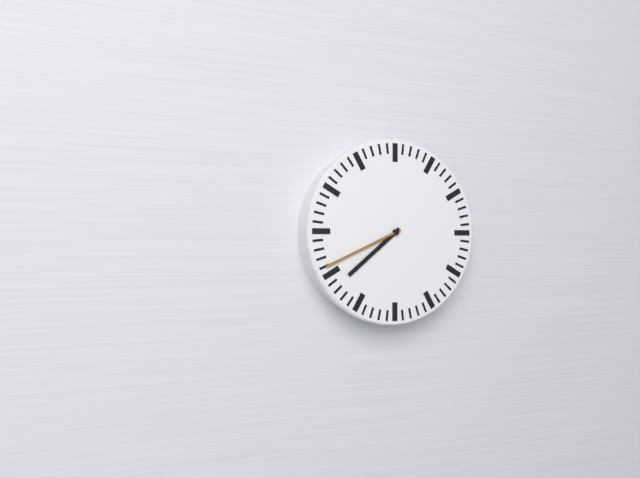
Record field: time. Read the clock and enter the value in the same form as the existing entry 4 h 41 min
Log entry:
7 h 41 min
